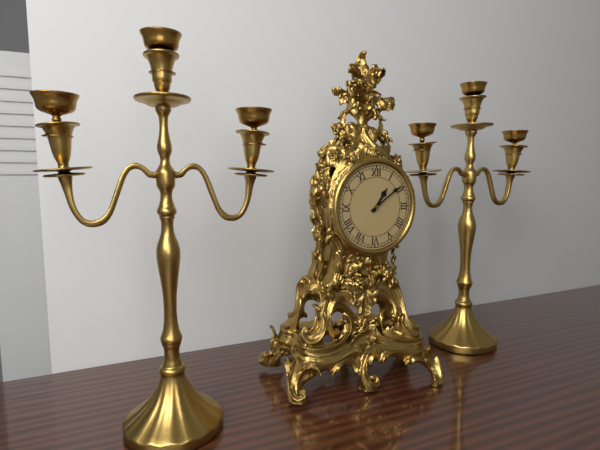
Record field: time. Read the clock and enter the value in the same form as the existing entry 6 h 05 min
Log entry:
1 h 09 min
